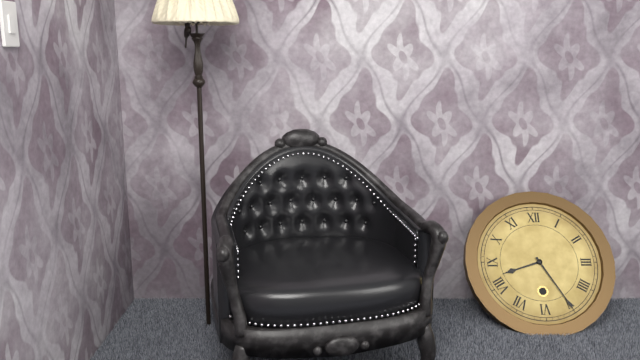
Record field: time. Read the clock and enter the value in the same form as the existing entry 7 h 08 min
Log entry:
8 h 25 min
